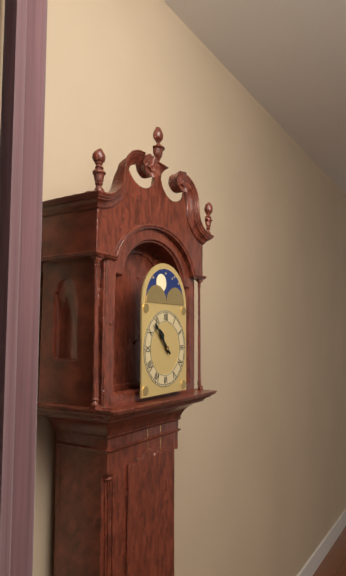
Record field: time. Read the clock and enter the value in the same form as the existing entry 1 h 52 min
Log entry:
10 h 53 min
